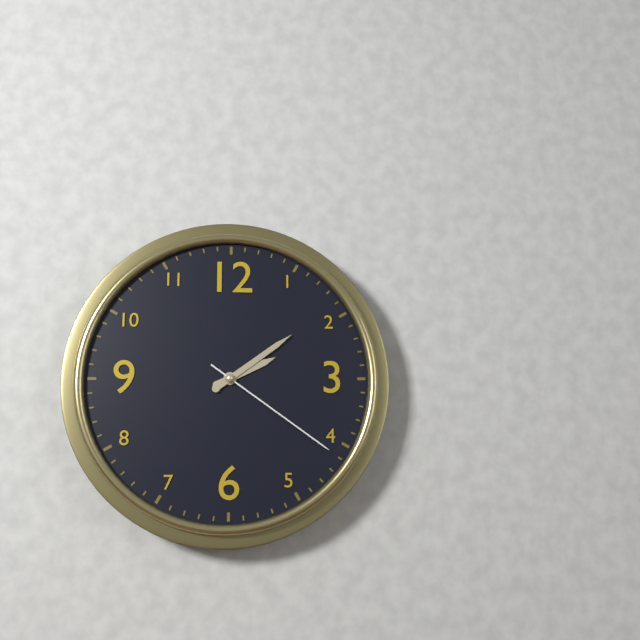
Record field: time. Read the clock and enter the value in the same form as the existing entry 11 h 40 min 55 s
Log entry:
2 h 09 min 21 s
